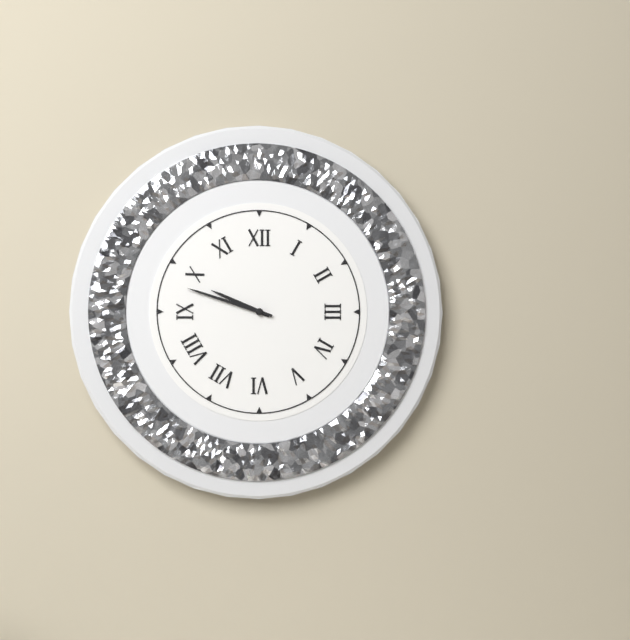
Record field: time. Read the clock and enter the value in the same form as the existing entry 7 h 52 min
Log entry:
9 h 48 min
